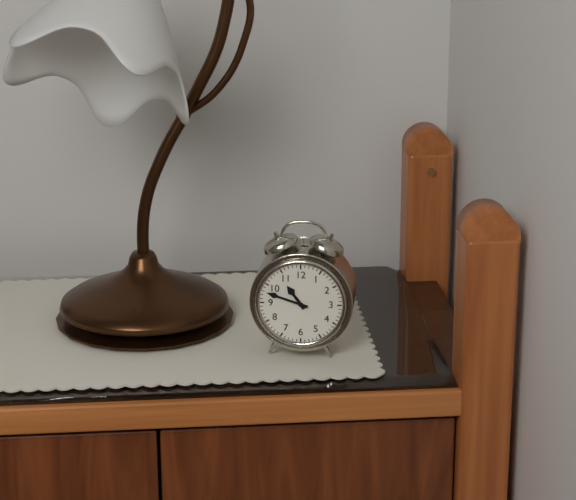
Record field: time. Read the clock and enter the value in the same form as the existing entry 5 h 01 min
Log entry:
10 h 48 min
